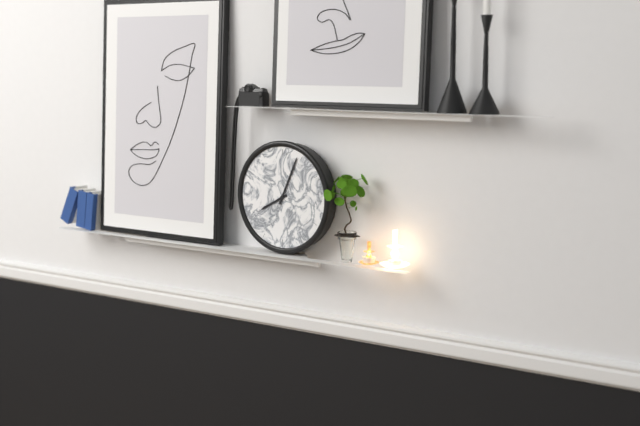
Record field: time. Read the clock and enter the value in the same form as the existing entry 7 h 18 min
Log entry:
8 h 04 min
